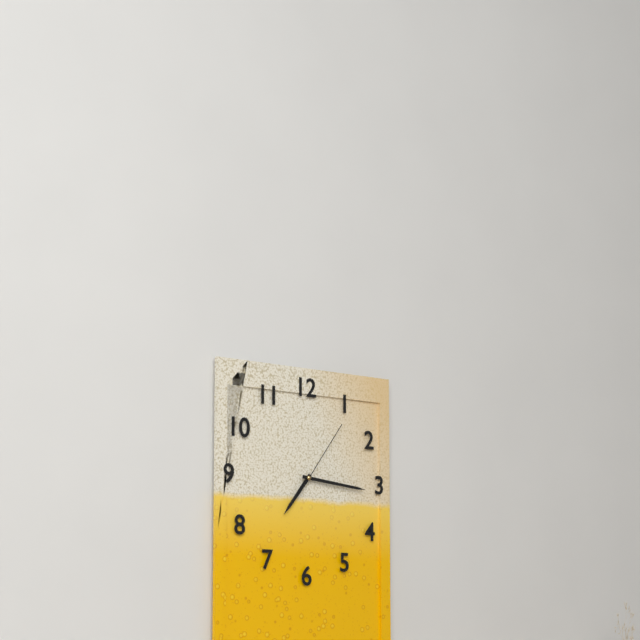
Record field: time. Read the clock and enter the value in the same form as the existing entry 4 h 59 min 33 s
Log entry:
7 h 16 min 06 s
